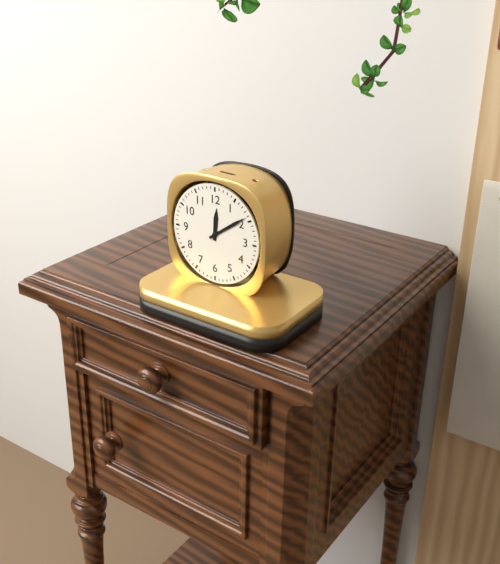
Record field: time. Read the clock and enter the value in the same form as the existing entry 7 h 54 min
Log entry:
12 h 09 min
